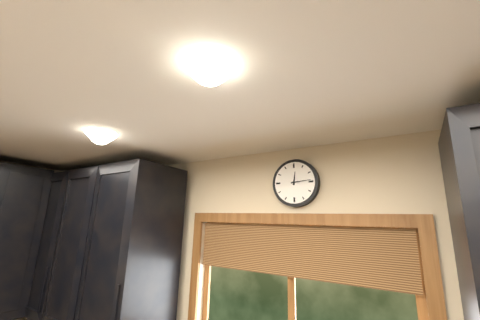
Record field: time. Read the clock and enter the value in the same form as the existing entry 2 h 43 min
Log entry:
12 h 14 min
